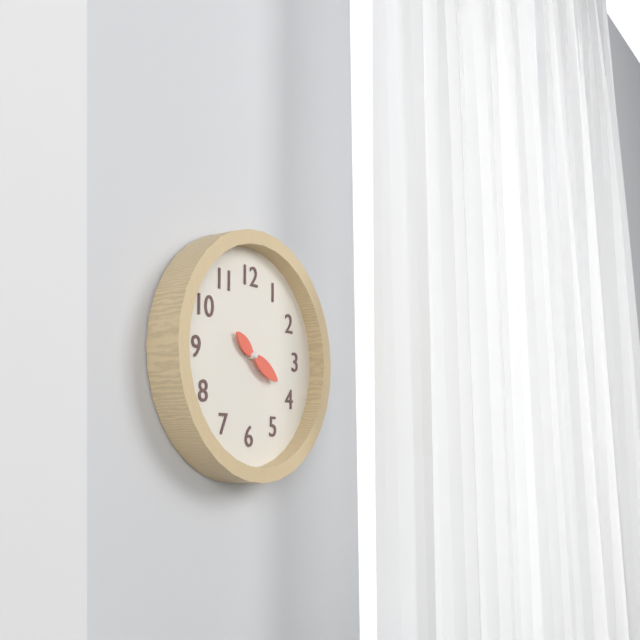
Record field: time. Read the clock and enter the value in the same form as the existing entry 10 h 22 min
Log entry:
10 h 20 min
